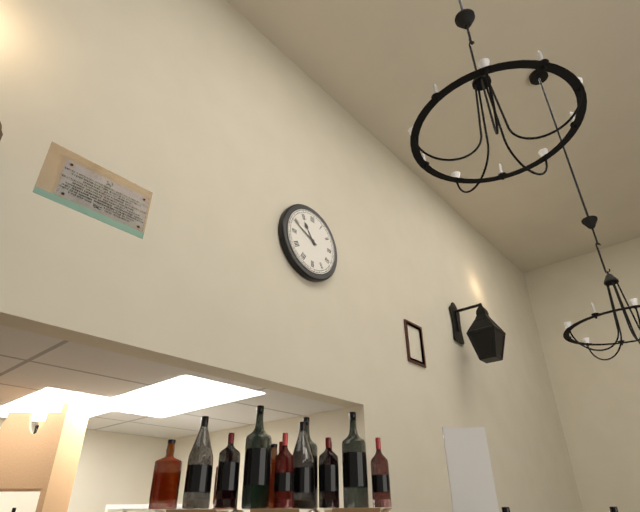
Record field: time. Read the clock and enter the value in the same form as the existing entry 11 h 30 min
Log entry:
10 h 49 min
